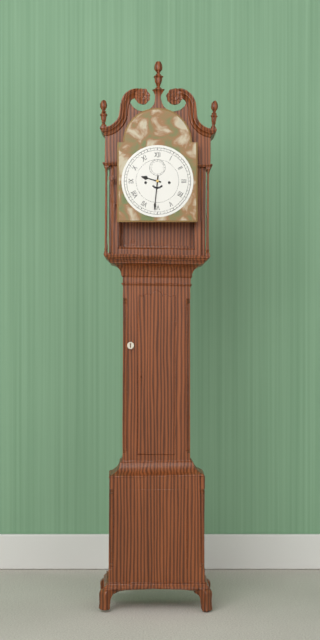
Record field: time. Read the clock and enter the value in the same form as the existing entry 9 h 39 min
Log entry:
9 h 31 min
